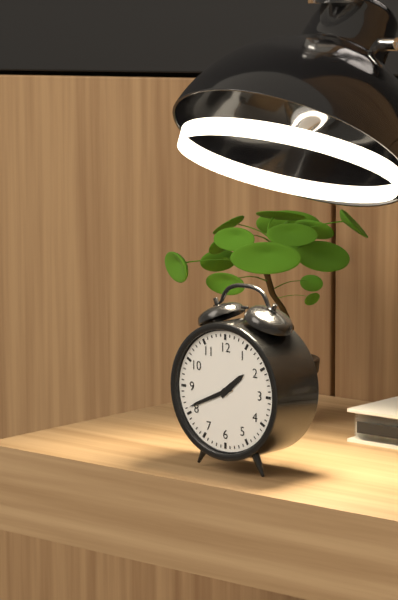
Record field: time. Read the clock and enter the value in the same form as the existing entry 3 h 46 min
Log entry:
1 h 41 min
